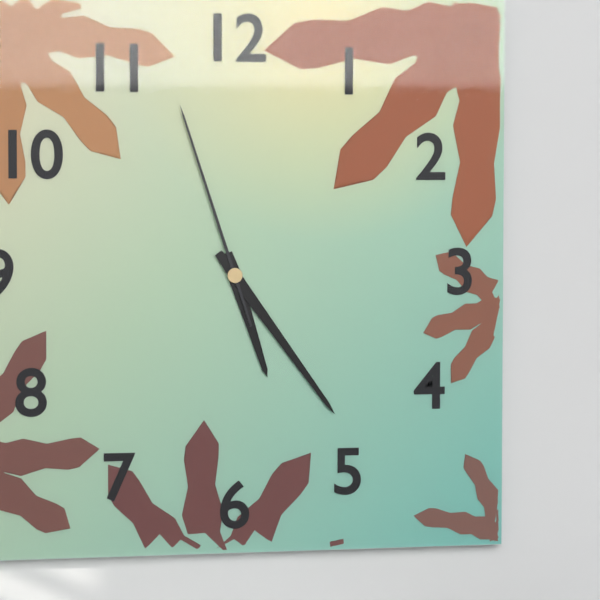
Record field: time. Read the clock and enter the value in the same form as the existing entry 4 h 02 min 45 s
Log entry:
5 h 24 min 57 s
